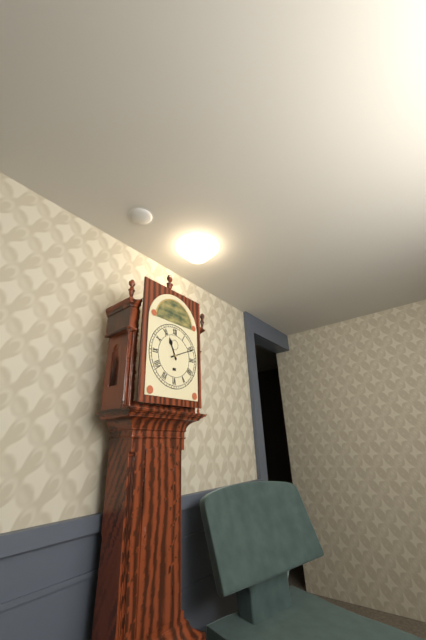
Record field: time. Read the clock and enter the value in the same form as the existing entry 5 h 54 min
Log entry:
11 h 11 min
